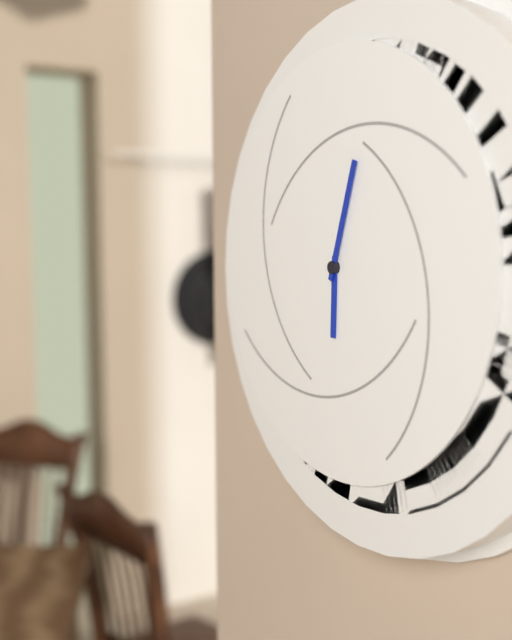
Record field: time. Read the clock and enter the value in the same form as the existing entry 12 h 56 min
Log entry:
6 h 03 min
